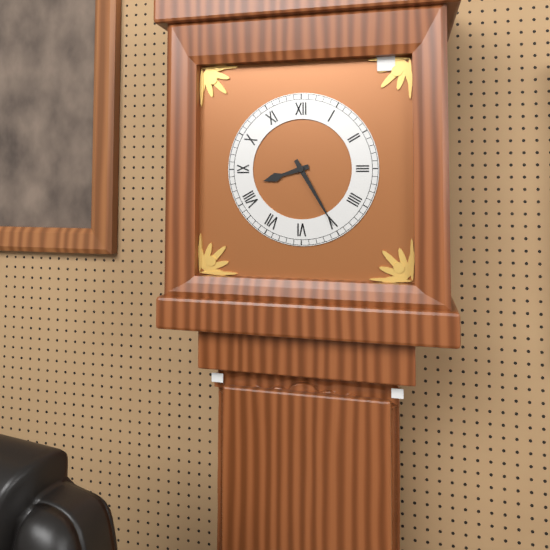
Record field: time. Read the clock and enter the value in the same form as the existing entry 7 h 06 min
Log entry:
8 h 25 min
